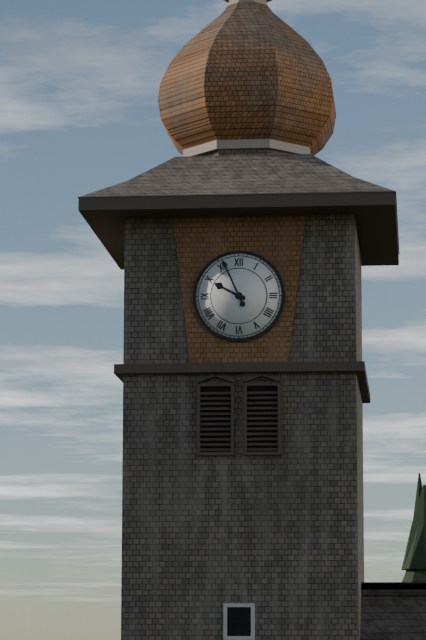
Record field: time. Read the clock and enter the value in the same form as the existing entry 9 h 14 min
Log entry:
9 h 56 min
